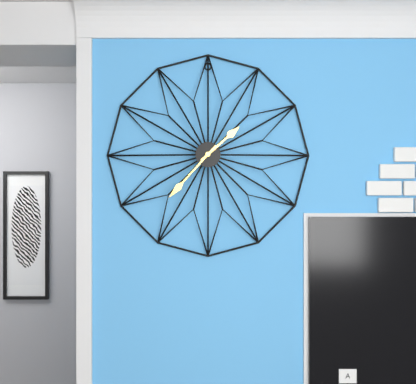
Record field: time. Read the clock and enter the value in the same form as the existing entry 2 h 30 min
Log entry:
1 h 37 min
